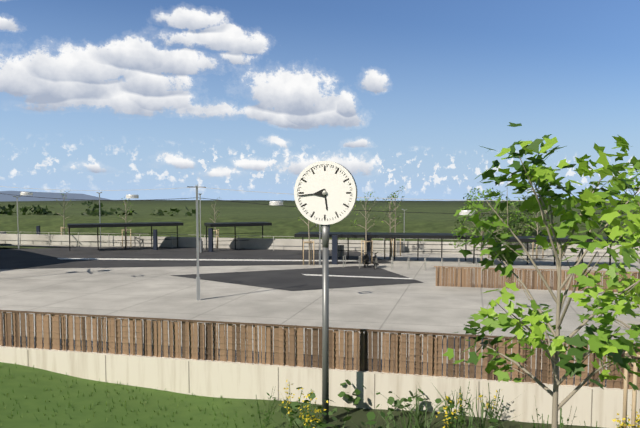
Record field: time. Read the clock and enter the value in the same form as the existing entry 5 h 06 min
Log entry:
5 h 44 min
